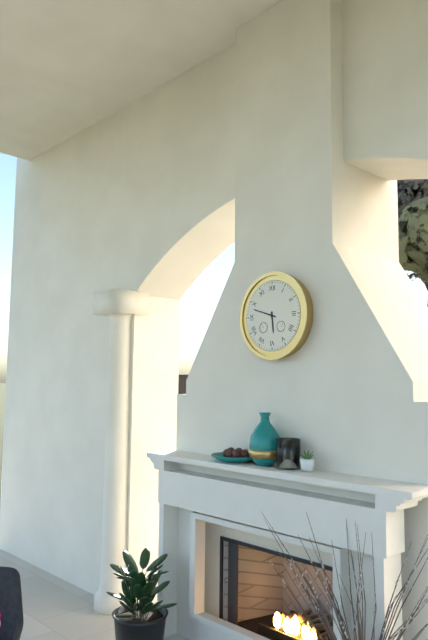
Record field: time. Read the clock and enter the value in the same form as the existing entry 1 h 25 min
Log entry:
5 h 48 min
